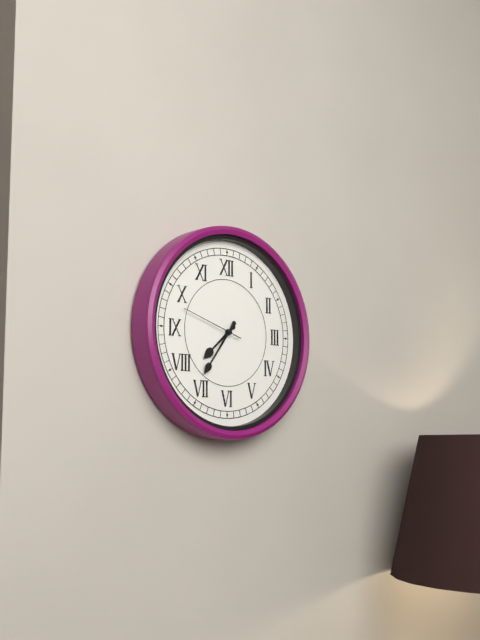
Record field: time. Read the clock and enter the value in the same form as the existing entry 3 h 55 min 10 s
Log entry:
7 h 36 min 48 s
